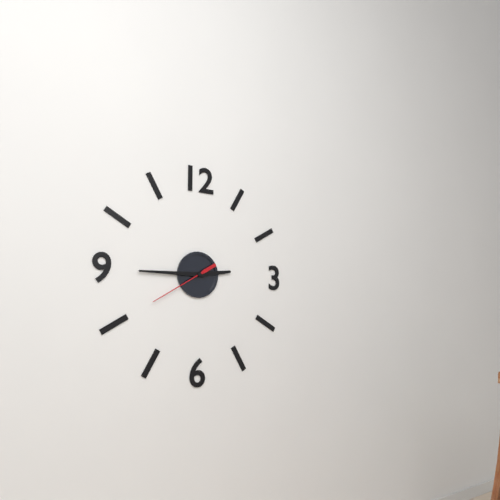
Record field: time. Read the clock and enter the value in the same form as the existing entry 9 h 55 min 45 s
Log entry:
2 h 45 min 40 s
